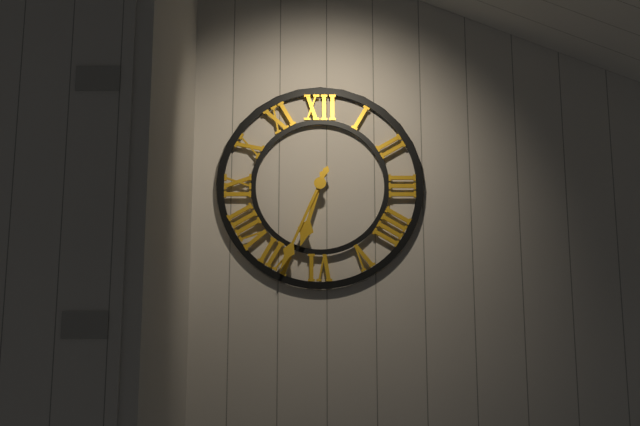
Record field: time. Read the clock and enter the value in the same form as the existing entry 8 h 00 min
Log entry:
6 h 34 min
